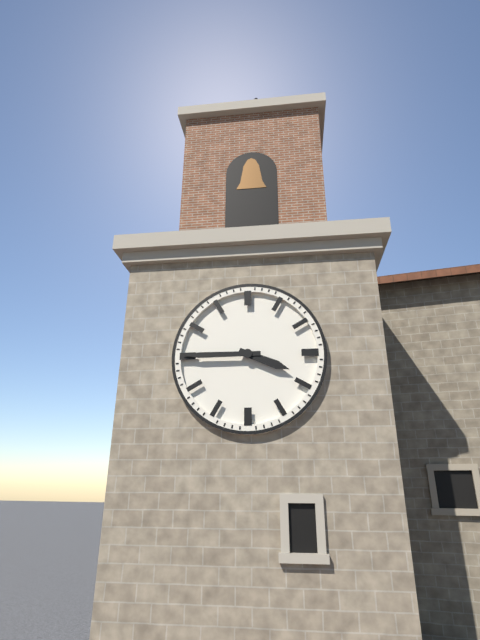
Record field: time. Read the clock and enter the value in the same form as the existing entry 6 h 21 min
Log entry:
3 h 45 min
